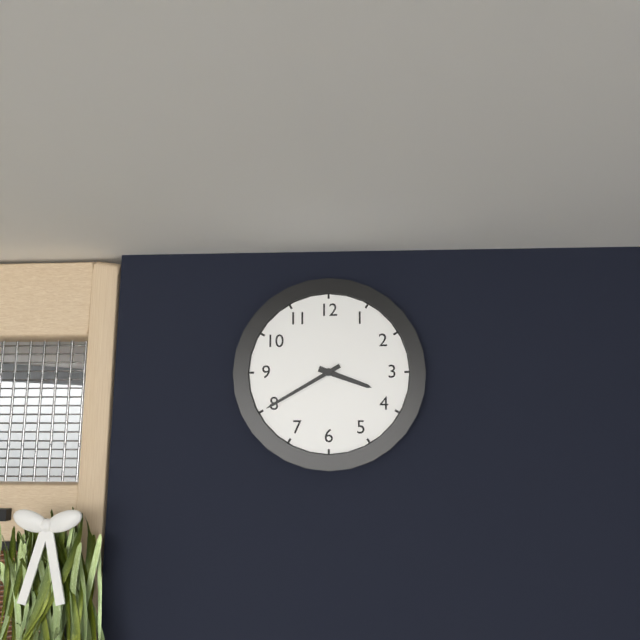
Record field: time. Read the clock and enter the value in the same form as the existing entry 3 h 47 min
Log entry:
3 h 40 min
